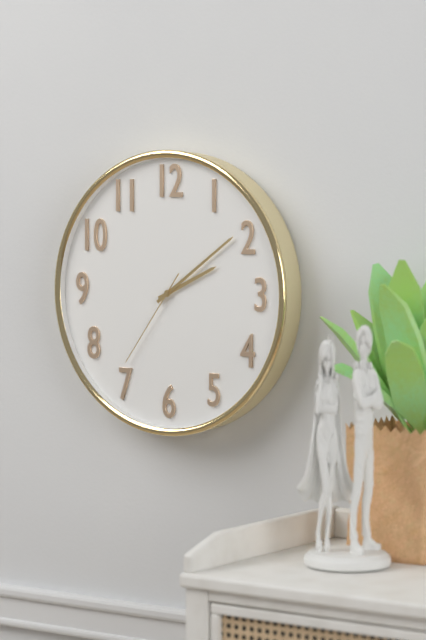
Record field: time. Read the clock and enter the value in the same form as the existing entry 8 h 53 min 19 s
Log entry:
2 h 09 min 36 s
